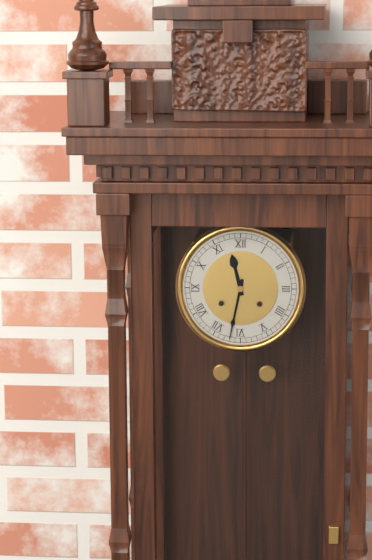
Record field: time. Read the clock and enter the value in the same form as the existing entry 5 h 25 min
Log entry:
11 h 32 min
